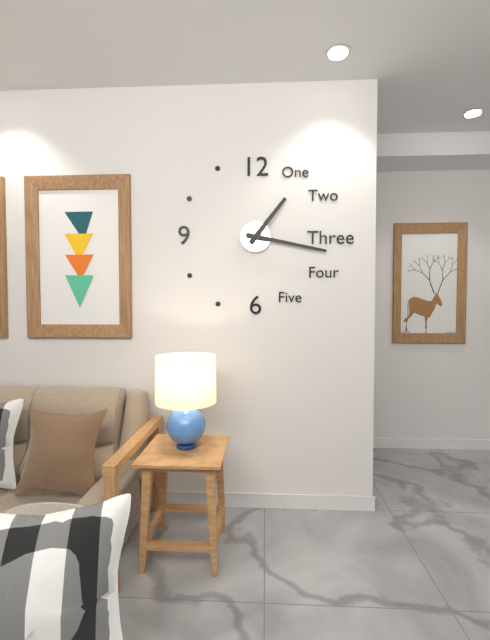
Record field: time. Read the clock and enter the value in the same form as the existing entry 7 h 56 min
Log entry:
1 h 17 min
